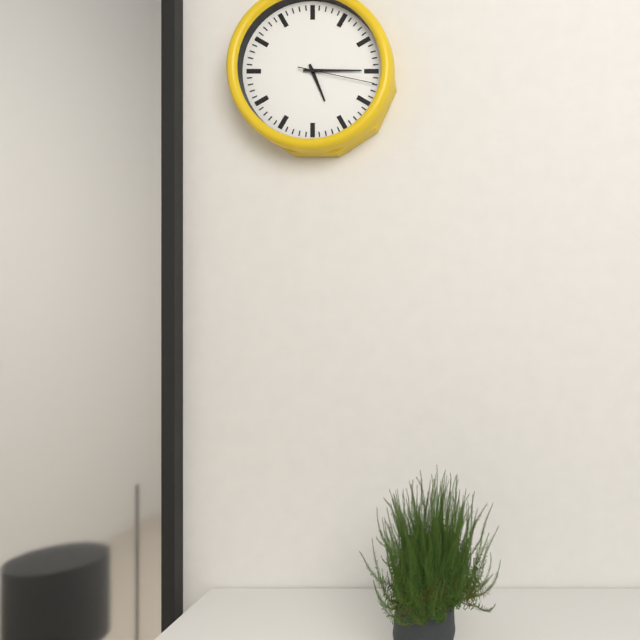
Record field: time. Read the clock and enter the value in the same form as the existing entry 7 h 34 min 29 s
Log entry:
5 h 15 min 17 s
